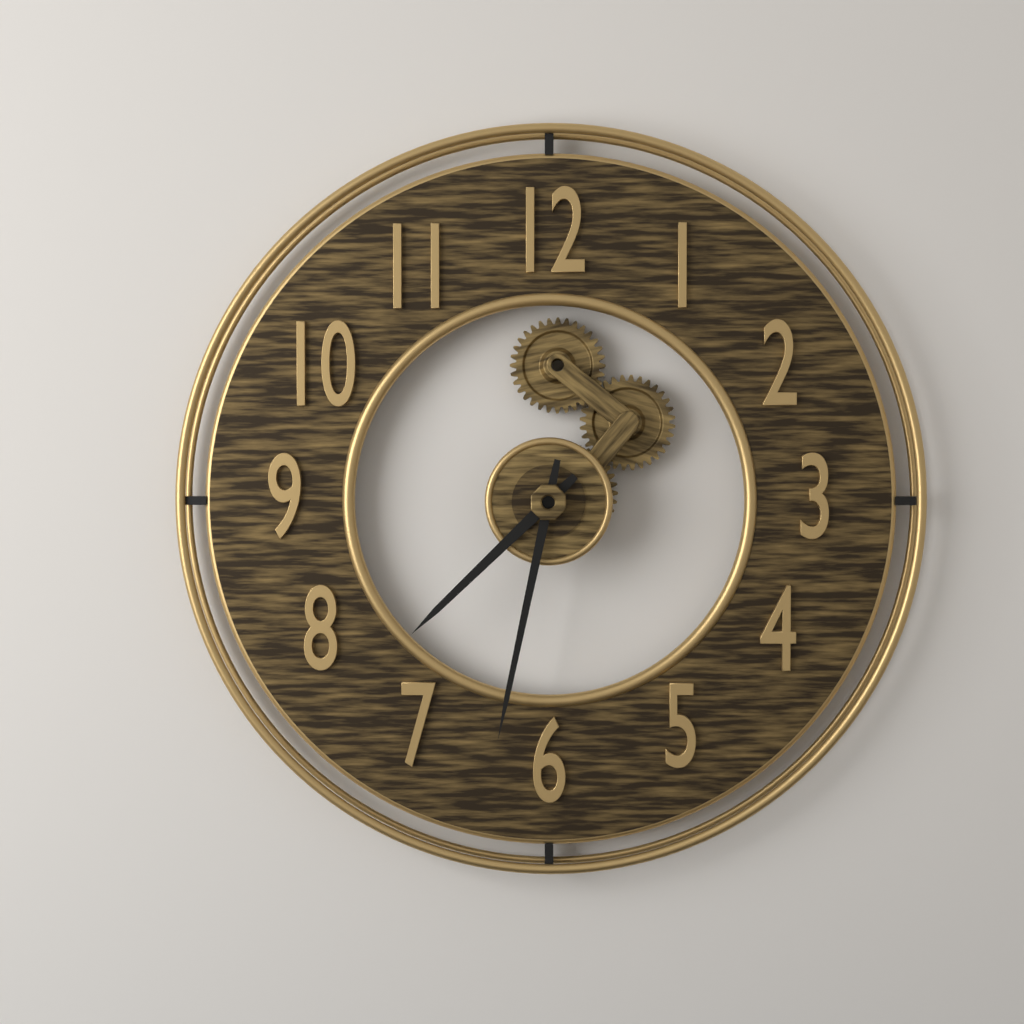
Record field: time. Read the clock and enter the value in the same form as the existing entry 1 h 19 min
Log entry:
7 h 32 min
